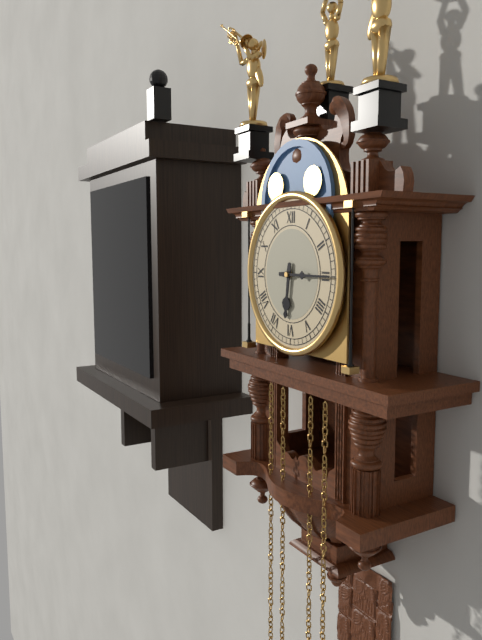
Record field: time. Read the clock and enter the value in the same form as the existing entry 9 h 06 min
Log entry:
6 h 15 min
